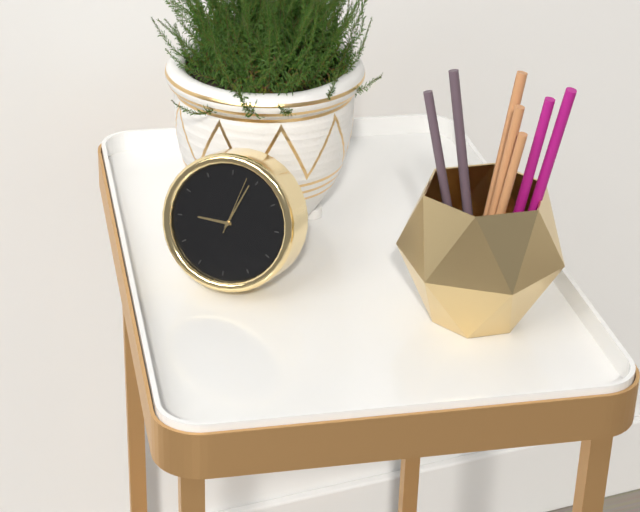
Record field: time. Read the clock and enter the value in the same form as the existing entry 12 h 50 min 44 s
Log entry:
9 h 04 min 03 s
